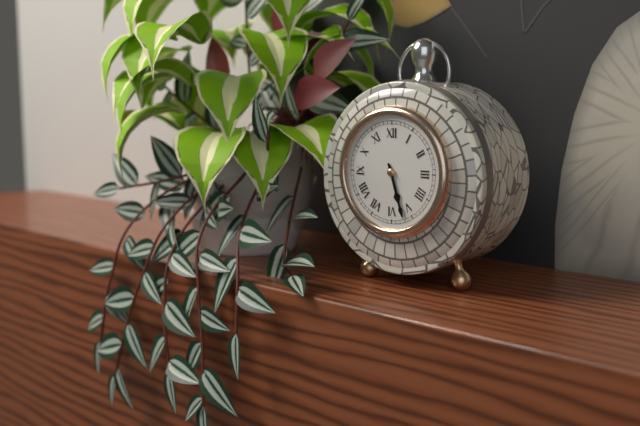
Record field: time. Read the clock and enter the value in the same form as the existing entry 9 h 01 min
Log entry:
5 h 27 min
